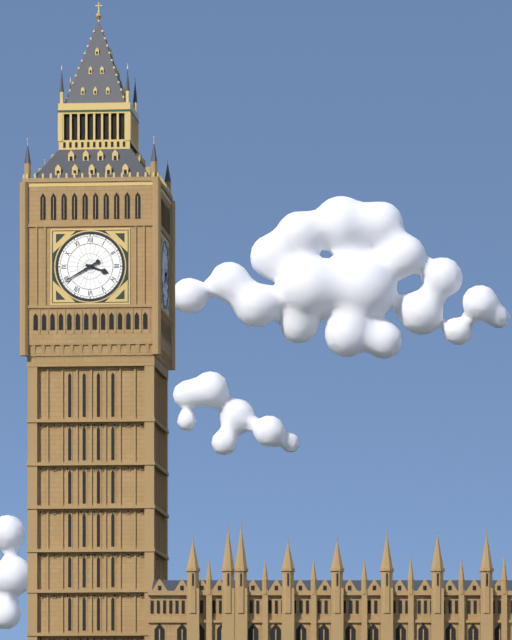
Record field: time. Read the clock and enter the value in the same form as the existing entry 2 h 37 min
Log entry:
3 h 40 min
